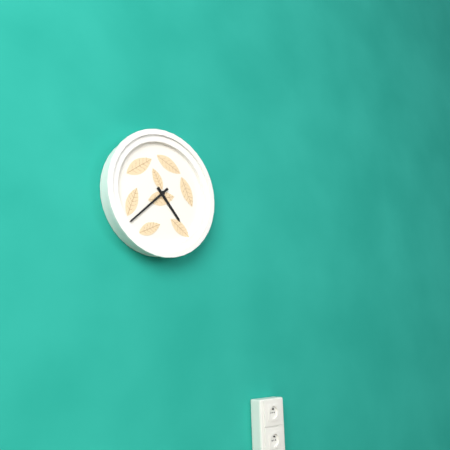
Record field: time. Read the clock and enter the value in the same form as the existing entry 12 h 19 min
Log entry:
4 h 38 min
